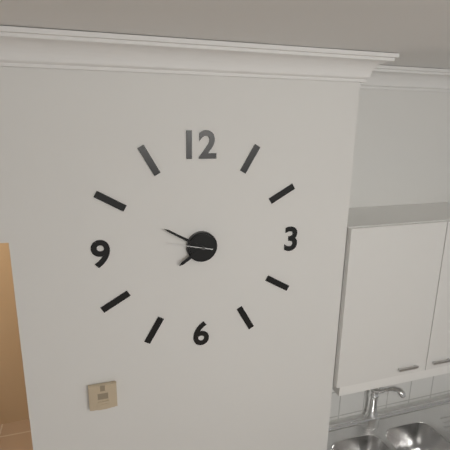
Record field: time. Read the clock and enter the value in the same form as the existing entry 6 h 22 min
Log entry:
7 h 50 min
